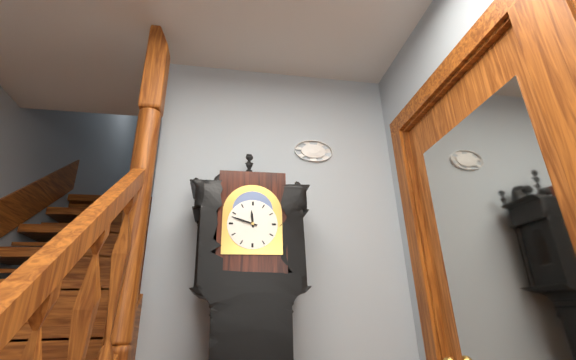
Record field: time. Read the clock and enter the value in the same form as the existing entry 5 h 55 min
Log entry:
11 h 48 min
